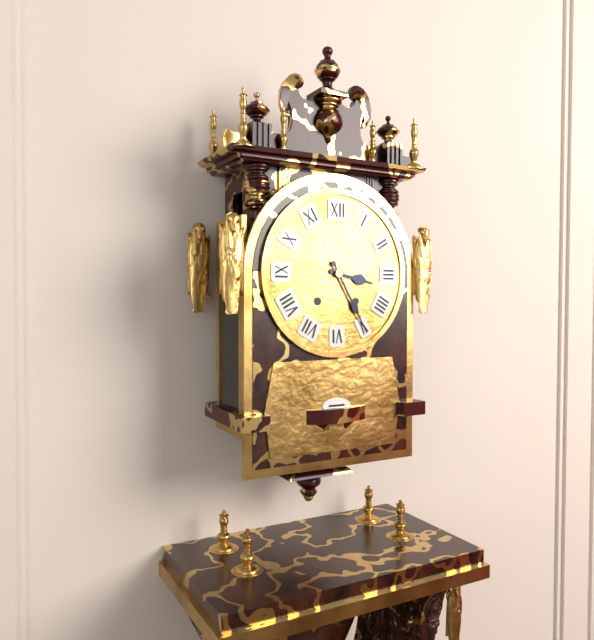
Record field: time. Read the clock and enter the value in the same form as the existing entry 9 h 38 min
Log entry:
3 h 25 min
